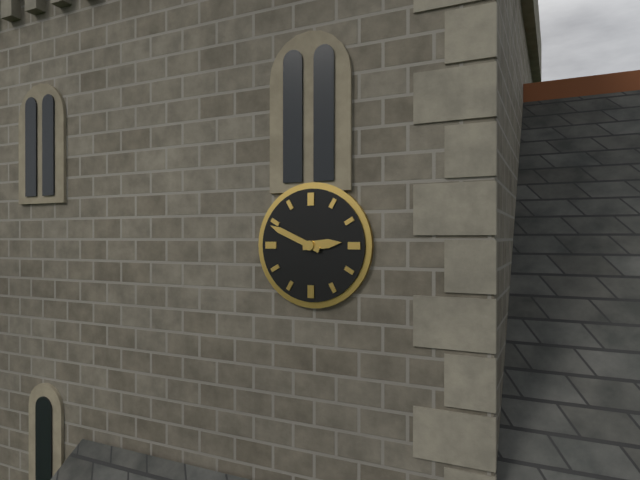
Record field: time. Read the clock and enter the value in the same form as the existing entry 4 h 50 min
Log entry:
2 h 49 min
